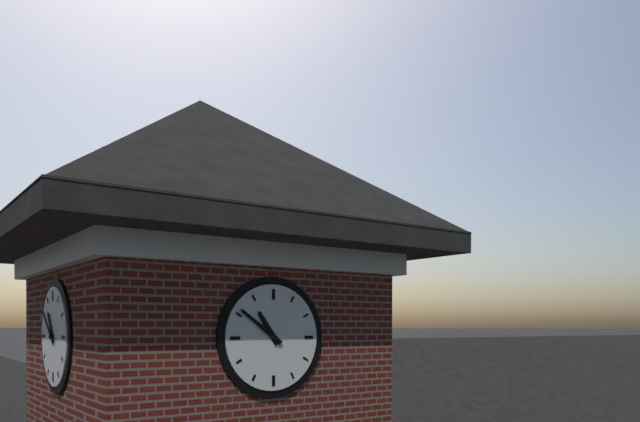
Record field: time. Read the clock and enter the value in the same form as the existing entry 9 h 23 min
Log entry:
10 h 51 min
